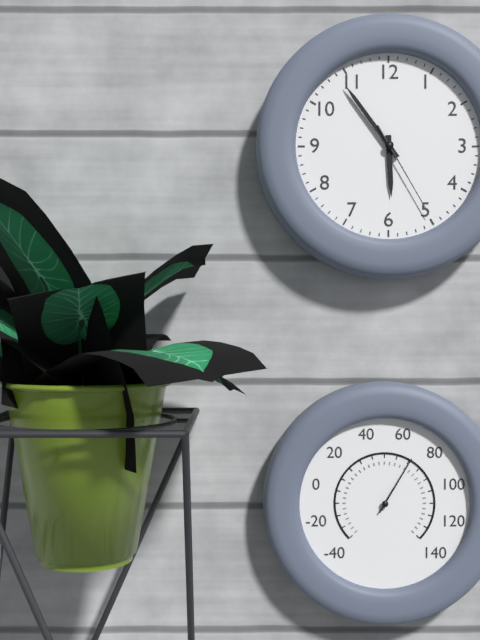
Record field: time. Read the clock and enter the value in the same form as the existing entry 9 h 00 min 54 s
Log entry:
5 h 54 min 25 s
